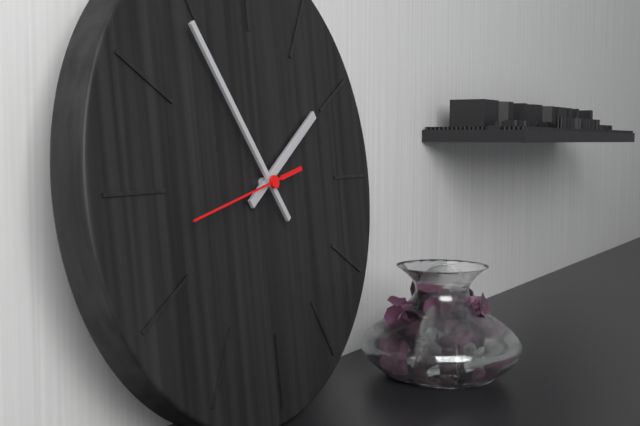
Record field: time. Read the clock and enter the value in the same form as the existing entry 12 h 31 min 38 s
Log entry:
1 h 54 min 43 s
